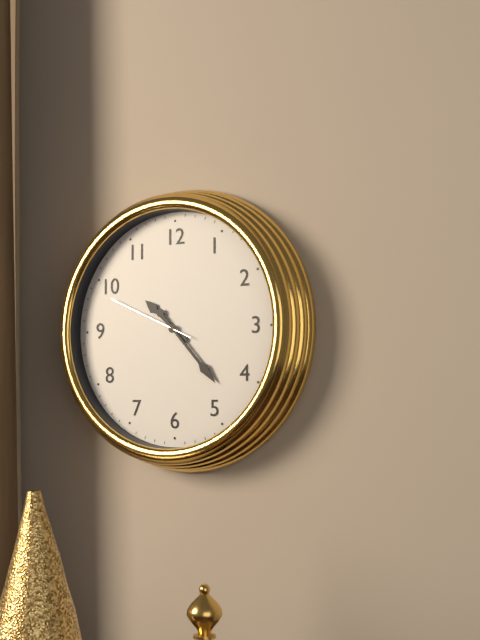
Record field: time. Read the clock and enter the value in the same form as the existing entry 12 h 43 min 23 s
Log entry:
10 h 23 min 49 s
